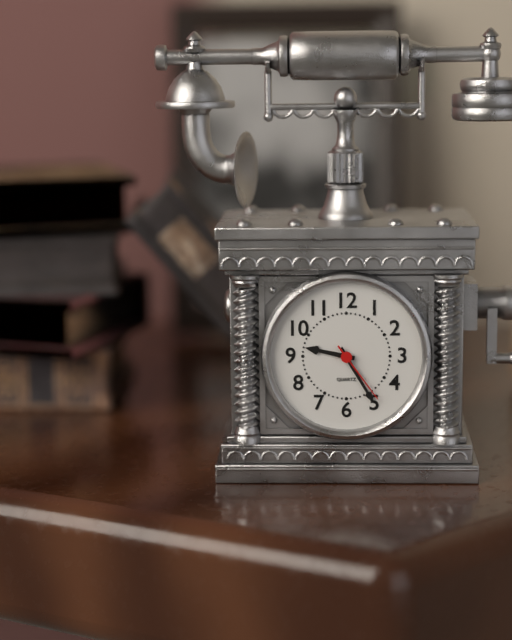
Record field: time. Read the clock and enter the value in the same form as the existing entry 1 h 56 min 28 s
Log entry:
9 h 25 min 24 s
